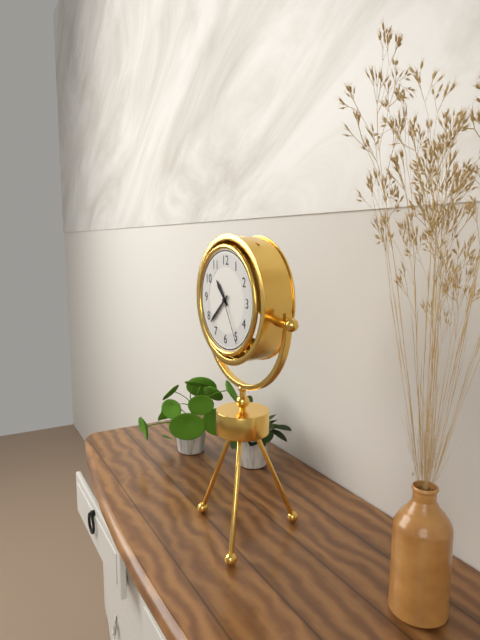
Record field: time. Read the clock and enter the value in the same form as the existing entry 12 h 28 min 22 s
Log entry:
10 h 38 min 25 s
